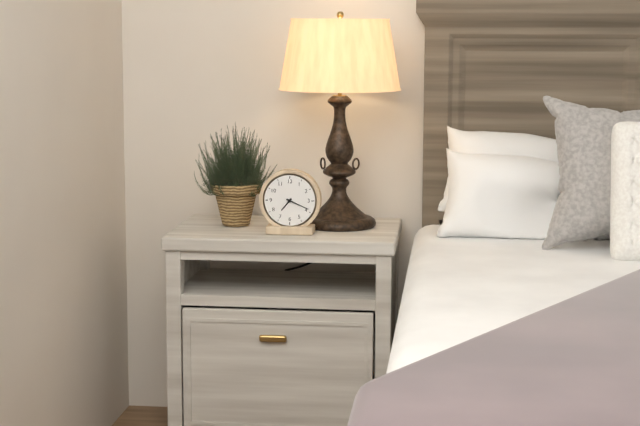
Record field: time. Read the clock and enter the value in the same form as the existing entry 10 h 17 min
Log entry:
7 h 19 min
